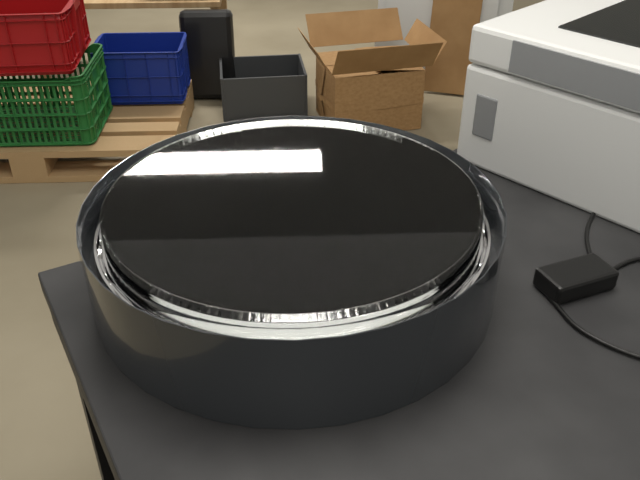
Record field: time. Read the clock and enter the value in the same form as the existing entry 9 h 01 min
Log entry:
1 h 36 min
